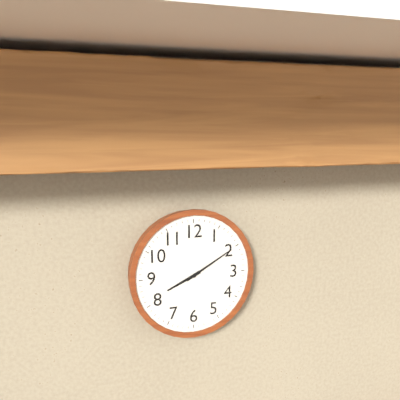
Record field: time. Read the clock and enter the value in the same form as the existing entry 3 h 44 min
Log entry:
8 h 10 min
